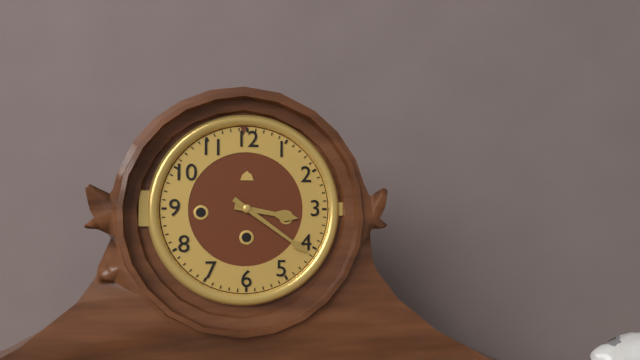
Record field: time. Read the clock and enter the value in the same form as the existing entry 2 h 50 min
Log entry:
3 h 21 min
